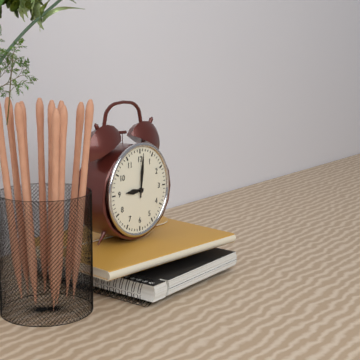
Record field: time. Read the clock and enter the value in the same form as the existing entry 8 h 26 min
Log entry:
9 h 01 min
